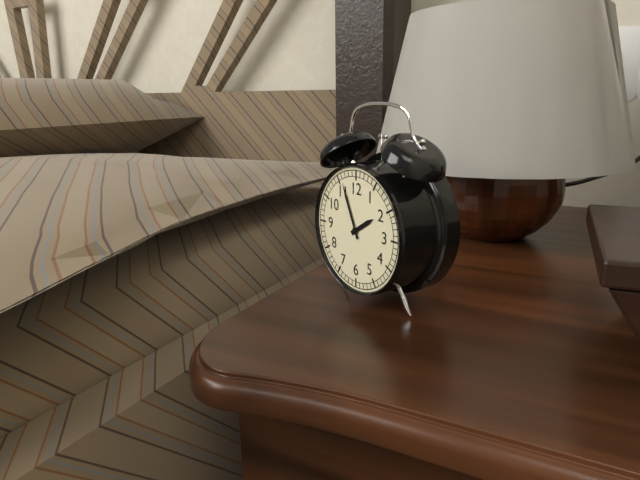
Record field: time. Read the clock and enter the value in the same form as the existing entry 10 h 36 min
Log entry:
1 h 56 min
